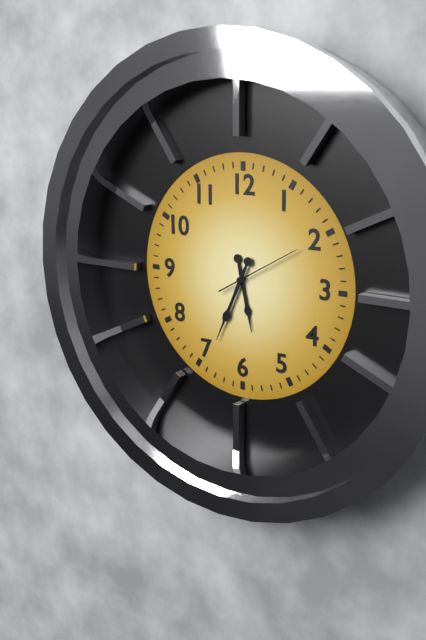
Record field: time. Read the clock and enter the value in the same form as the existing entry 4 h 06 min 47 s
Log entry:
5 h 34 min 10 s
